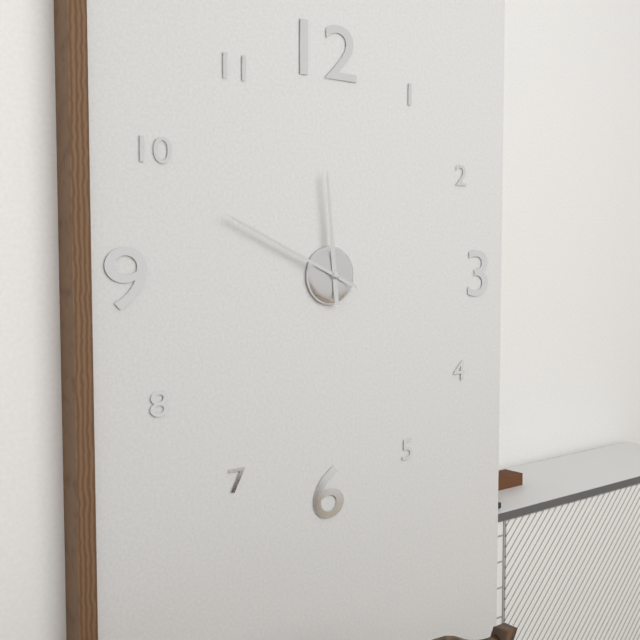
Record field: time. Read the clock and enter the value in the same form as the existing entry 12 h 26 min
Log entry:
11 h 49 min
